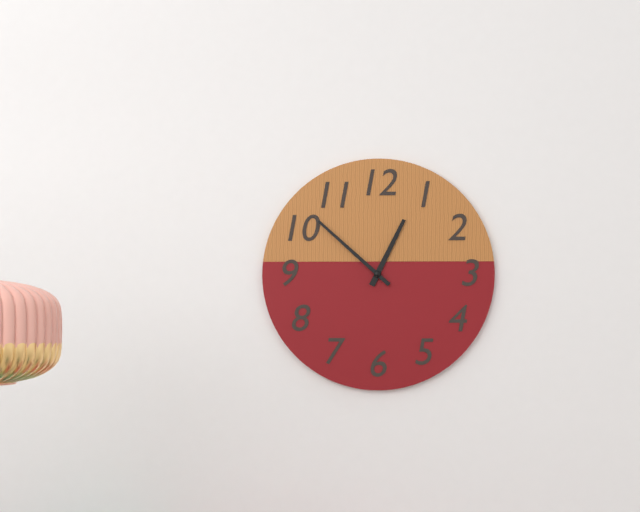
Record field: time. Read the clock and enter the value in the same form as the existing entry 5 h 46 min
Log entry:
12 h 52 min
